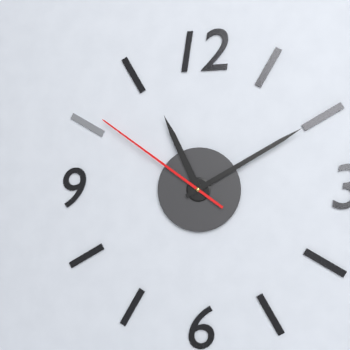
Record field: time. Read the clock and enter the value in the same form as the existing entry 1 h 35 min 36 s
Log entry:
11 h 10 min 51 s
